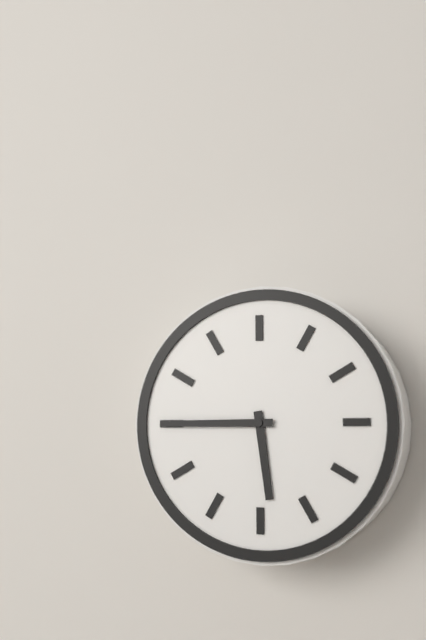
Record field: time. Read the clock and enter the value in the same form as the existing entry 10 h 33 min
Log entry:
5 h 45 min
